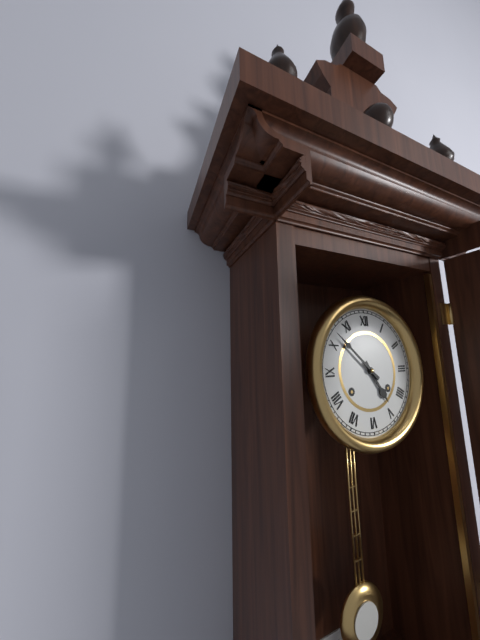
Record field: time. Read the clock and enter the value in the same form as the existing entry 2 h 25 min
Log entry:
4 h 52 min
